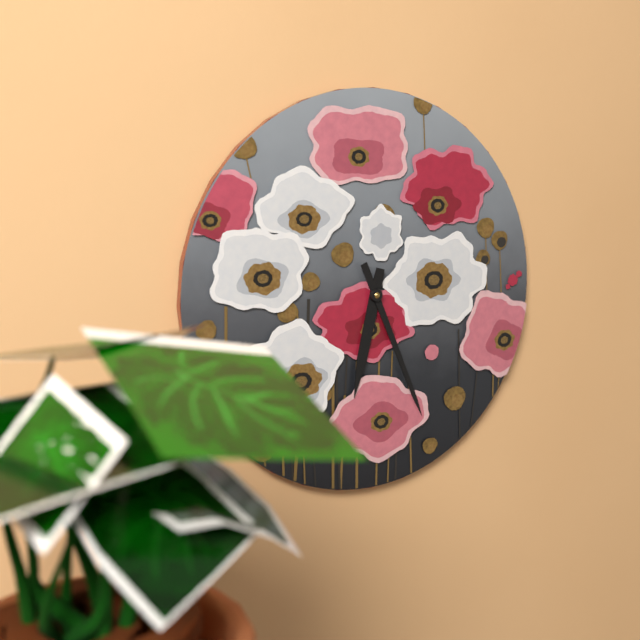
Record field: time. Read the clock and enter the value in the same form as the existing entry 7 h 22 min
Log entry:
6 h 26 min
